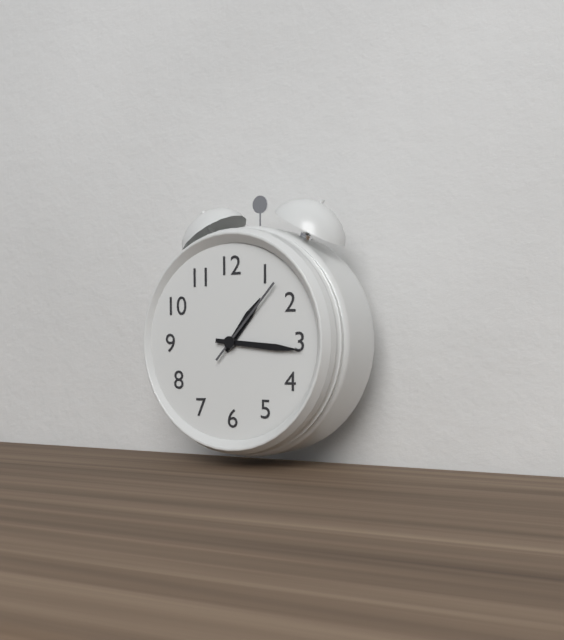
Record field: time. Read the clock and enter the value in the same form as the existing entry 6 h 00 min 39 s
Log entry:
1 h 16 min 07 s
